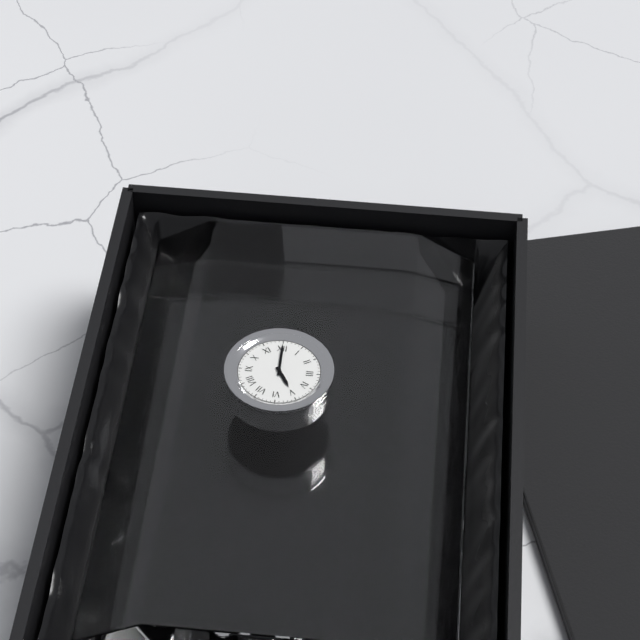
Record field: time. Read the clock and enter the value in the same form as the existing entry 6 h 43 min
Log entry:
5 h 00 min
